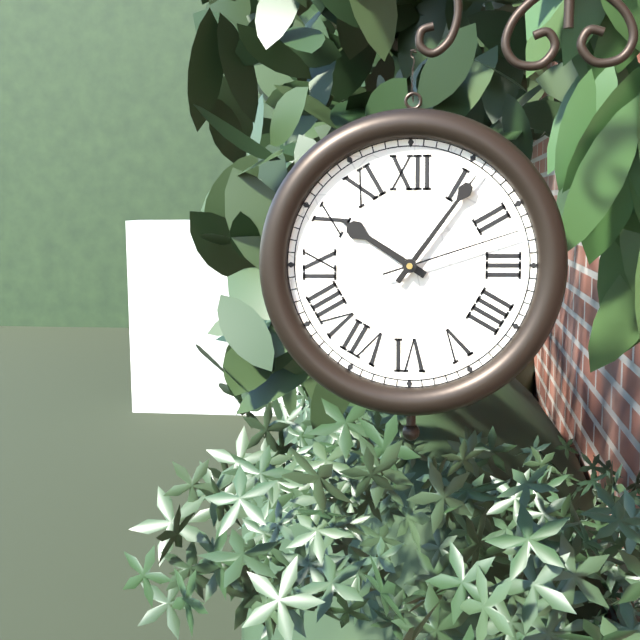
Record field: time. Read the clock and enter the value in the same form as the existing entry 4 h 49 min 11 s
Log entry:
10 h 06 min 12 s
